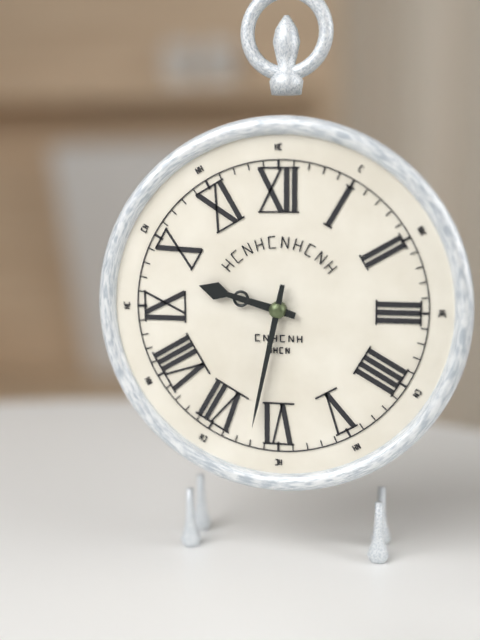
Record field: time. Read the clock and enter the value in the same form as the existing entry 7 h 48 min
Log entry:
9 h 32 min
